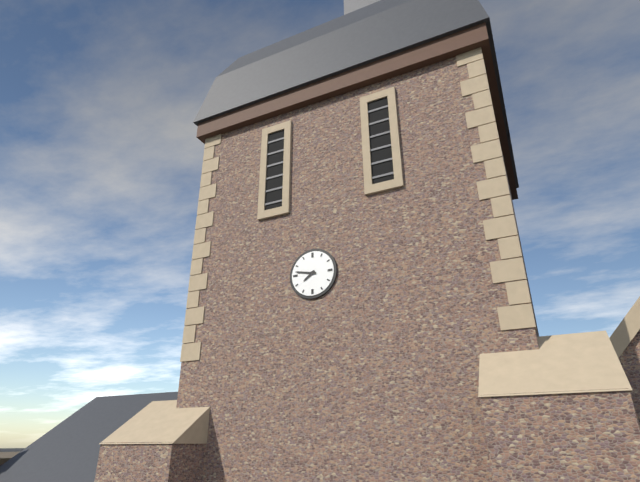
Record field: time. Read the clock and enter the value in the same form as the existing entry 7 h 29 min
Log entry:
7 h 47 min
